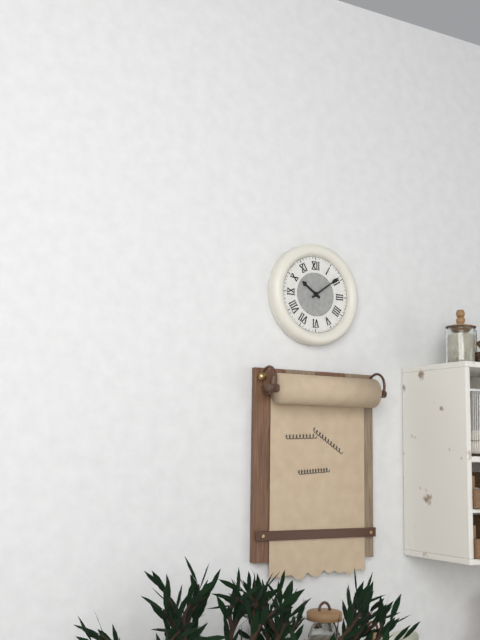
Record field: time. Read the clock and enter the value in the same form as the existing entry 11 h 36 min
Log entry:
10 h 09 min
